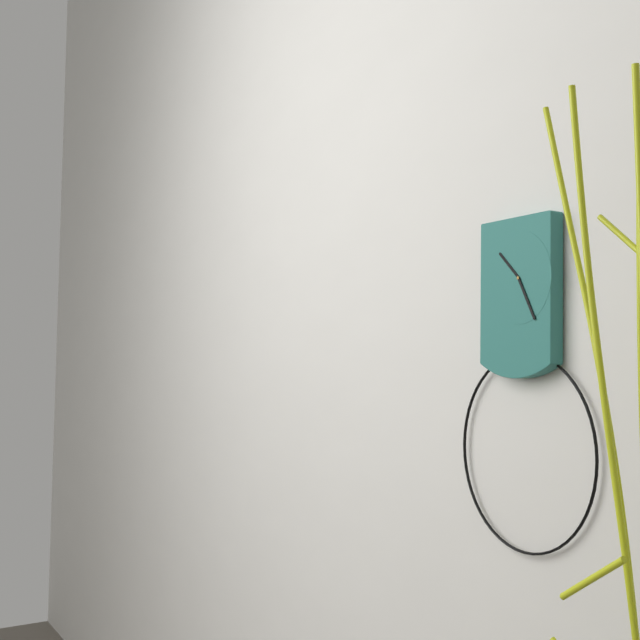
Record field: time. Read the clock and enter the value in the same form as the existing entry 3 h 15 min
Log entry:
10 h 25 min
